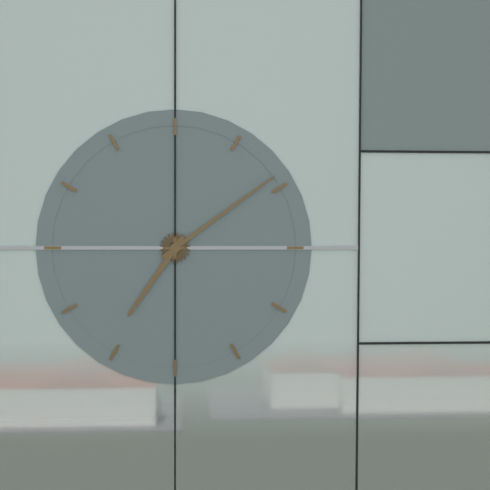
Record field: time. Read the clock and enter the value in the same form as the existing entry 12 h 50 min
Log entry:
7 h 09 min
